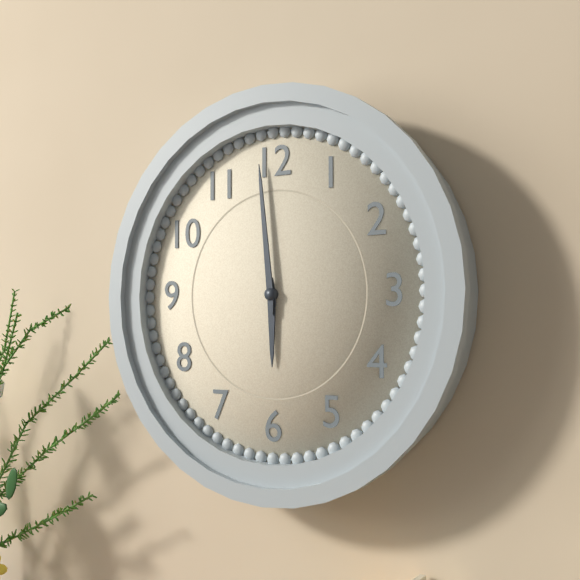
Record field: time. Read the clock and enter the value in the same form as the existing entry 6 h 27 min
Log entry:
5 h 59 min
